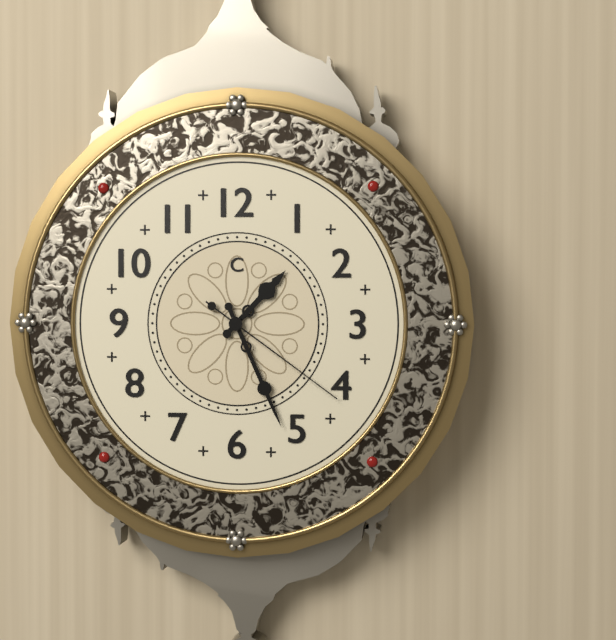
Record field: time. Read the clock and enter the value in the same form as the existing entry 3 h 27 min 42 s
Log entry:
1 h 26 min 21 s
